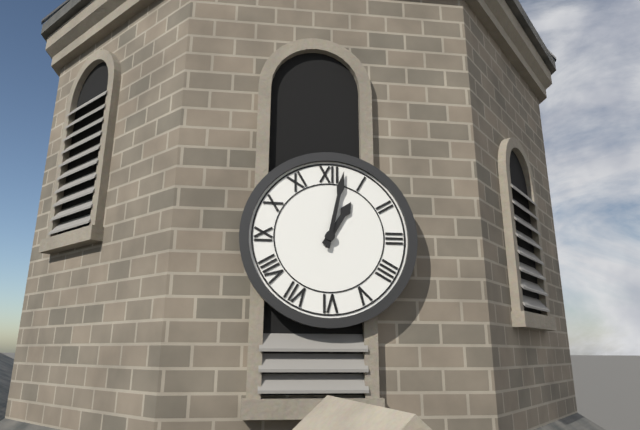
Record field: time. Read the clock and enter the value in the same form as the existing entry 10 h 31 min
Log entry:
1 h 02 min
